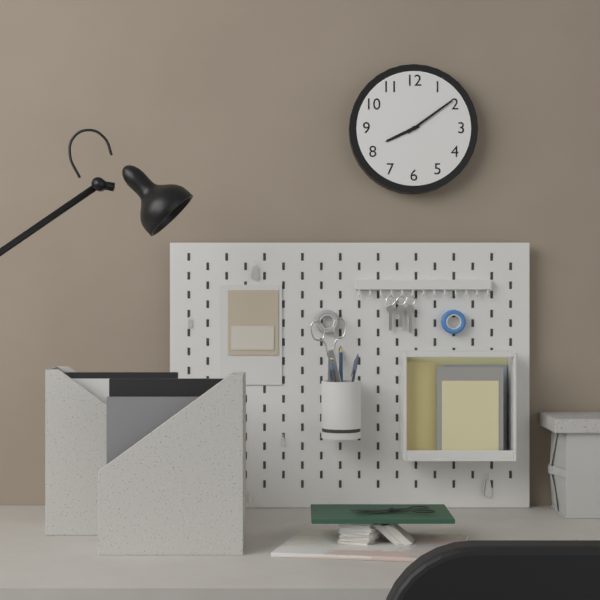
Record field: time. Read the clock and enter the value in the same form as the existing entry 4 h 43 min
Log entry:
8 h 09 min
